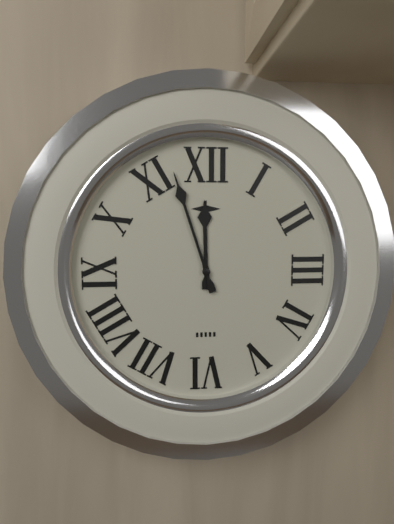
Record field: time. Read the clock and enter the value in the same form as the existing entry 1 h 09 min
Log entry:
11 h 57 min
